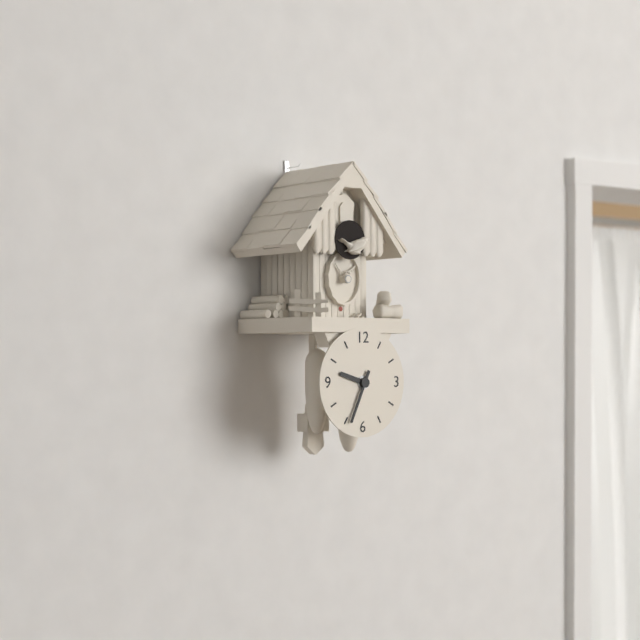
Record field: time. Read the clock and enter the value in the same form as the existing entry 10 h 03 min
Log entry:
9 h 34 min
